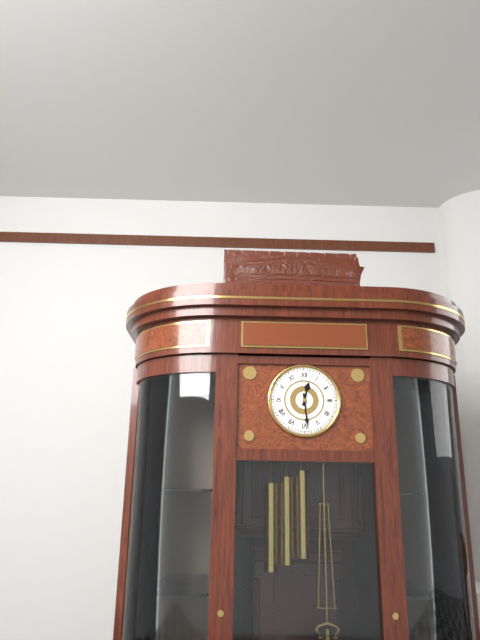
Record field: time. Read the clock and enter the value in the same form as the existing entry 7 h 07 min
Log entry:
12 h 29 min
